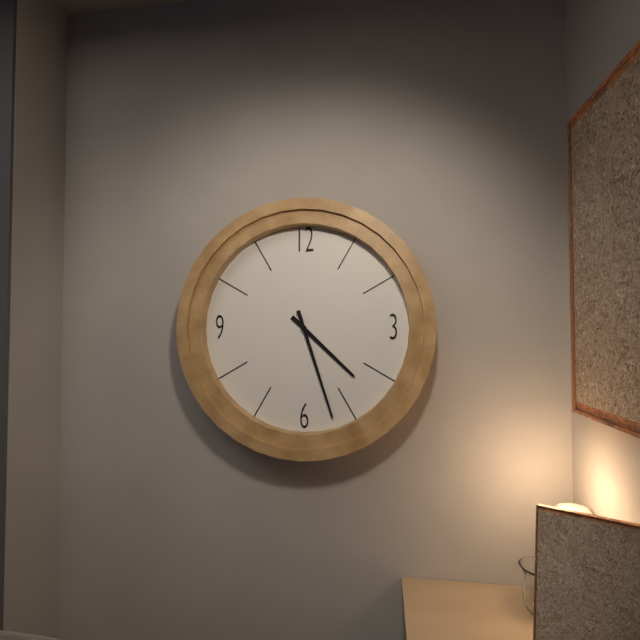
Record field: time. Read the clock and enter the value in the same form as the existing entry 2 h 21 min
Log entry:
4 h 27 min
